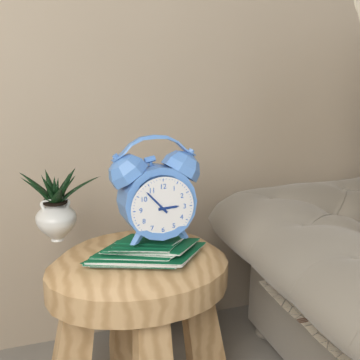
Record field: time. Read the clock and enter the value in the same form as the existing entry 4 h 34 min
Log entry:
2 h 53 min
